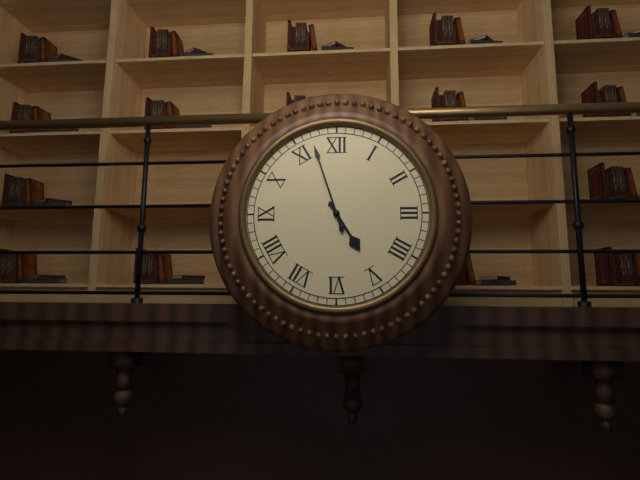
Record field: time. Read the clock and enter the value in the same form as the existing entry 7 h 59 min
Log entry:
4 h 57 min
